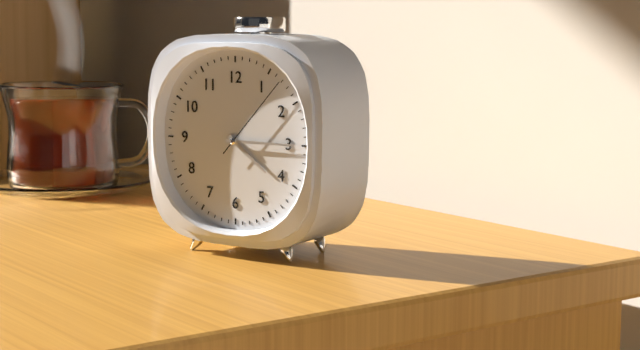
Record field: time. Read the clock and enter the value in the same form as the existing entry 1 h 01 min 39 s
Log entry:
4 h 15 min 07 s
